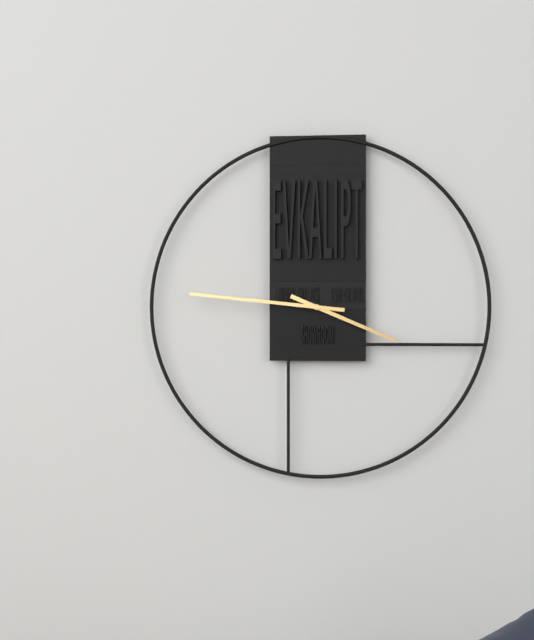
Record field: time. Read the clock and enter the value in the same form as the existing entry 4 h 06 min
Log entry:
3 h 46 min
